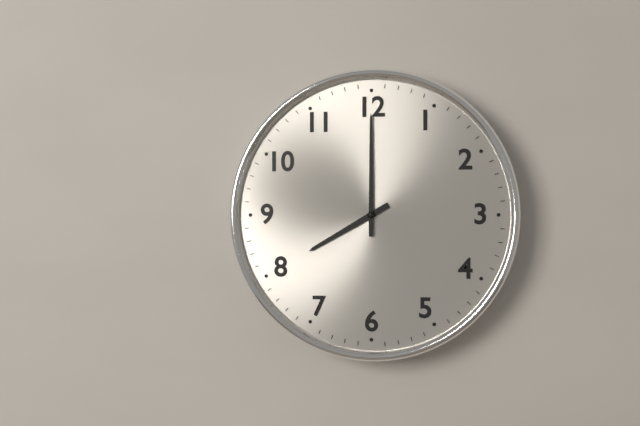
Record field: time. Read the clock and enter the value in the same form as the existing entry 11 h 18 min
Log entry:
8 h 00 min
